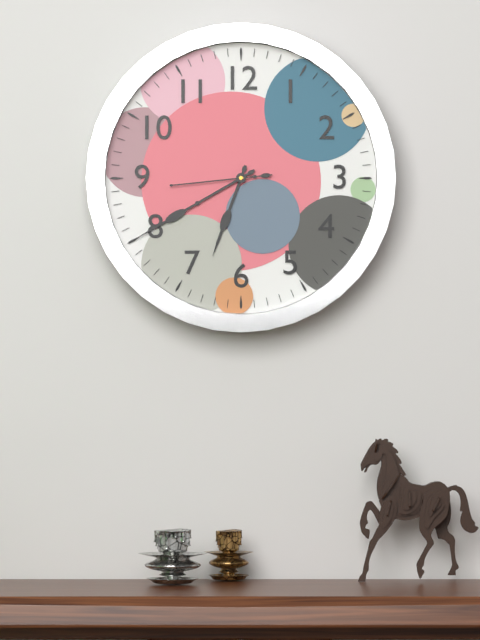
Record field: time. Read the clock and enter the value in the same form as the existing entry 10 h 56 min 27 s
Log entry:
6 h 40 min 44 s
